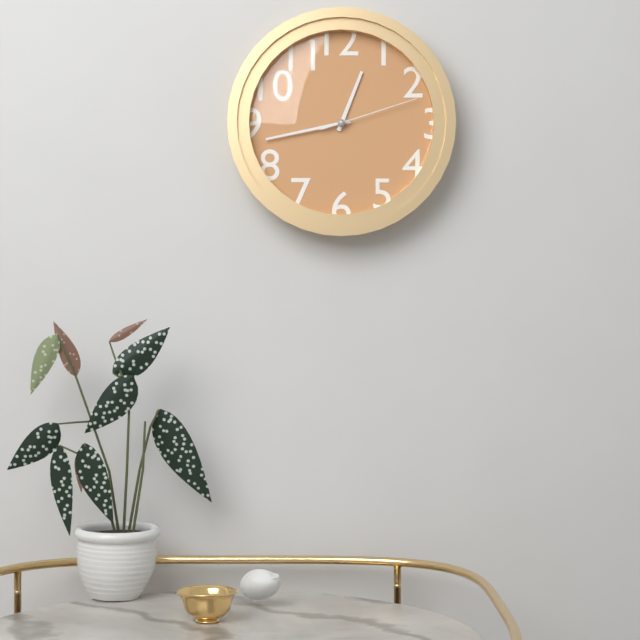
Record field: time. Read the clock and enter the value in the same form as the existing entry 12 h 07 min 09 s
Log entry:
12 h 43 min 12 s
